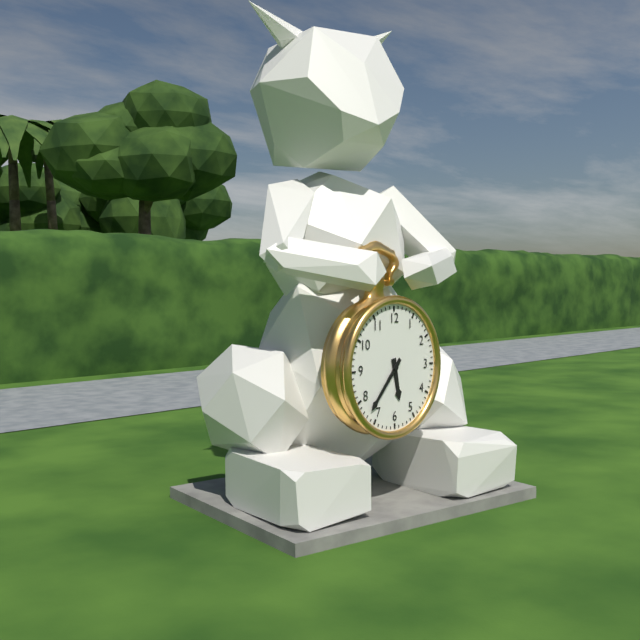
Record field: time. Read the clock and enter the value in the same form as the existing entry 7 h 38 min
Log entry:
5 h 37 min
